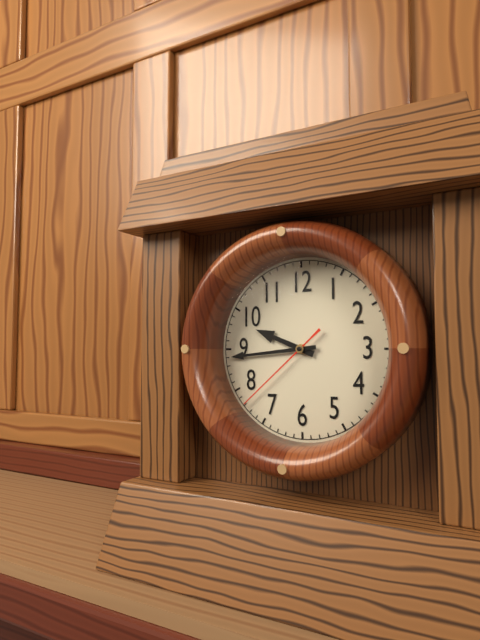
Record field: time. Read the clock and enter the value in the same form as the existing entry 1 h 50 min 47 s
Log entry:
9 h 44 min 38 s
